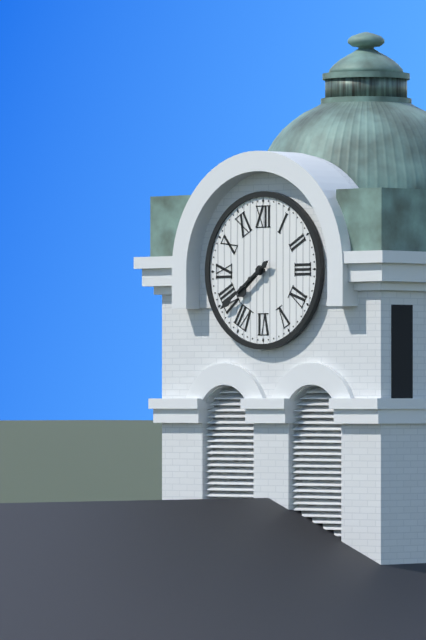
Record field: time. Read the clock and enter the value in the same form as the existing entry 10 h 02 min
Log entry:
7 h 39 min
